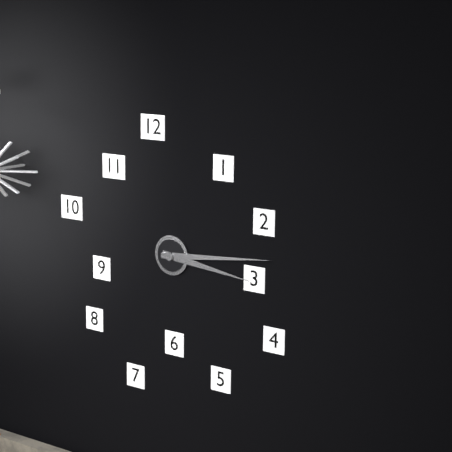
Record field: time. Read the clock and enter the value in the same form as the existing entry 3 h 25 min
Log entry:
3 h 14 min
